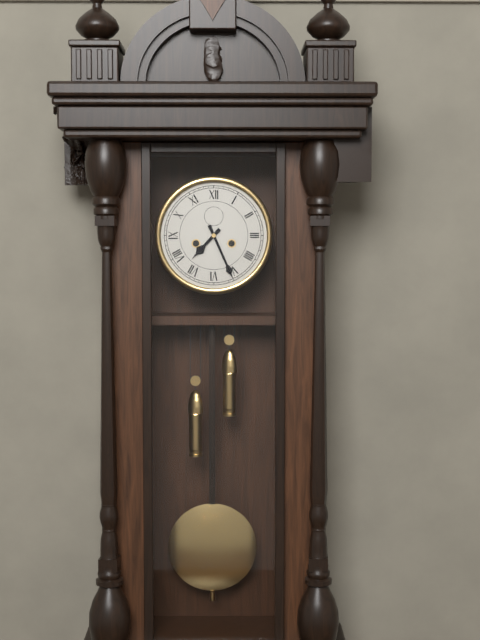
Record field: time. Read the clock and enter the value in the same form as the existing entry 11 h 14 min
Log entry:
7 h 26 min
